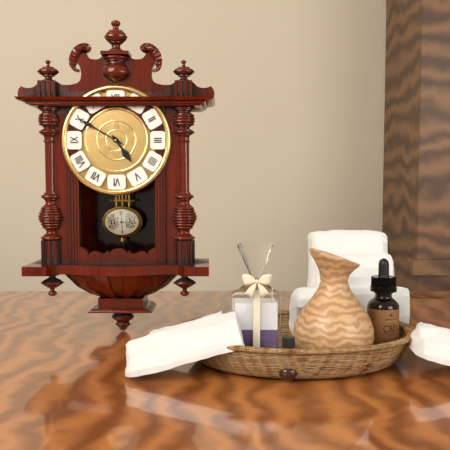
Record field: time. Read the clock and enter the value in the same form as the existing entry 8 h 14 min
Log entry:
4 h 50 min
